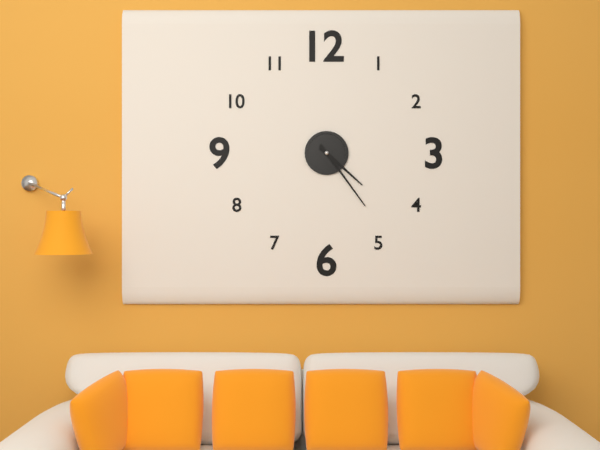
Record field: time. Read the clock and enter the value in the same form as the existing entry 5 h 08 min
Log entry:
4 h 24 min
